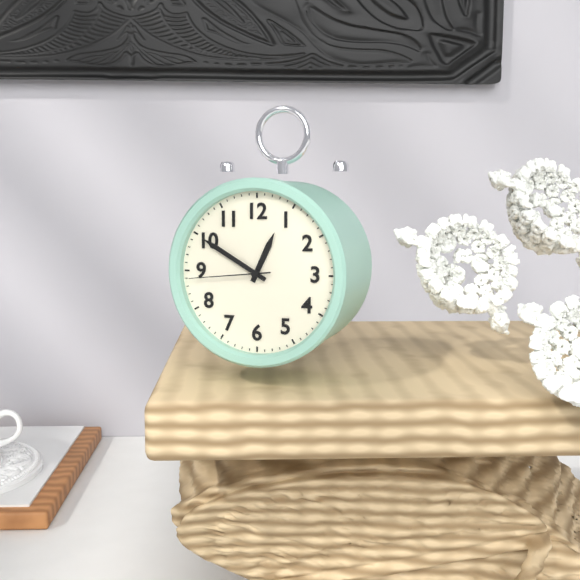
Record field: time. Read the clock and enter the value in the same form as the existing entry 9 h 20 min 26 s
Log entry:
12 h 50 min 44 s
